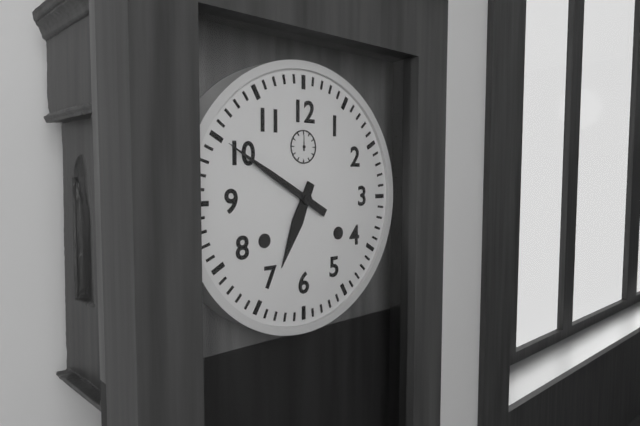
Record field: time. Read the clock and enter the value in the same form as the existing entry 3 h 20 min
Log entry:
6 h 50 min
